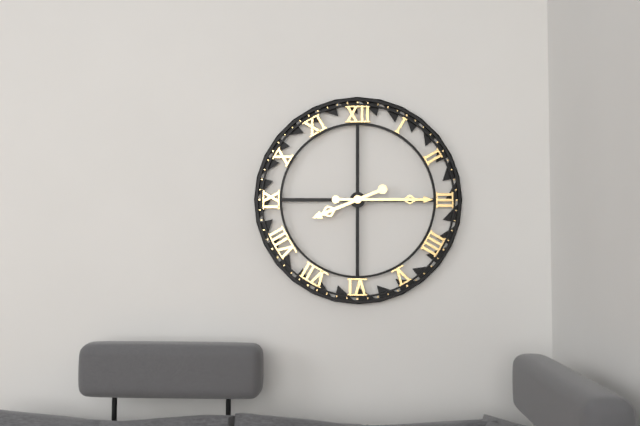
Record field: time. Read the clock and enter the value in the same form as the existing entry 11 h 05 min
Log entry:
8 h 15 min
